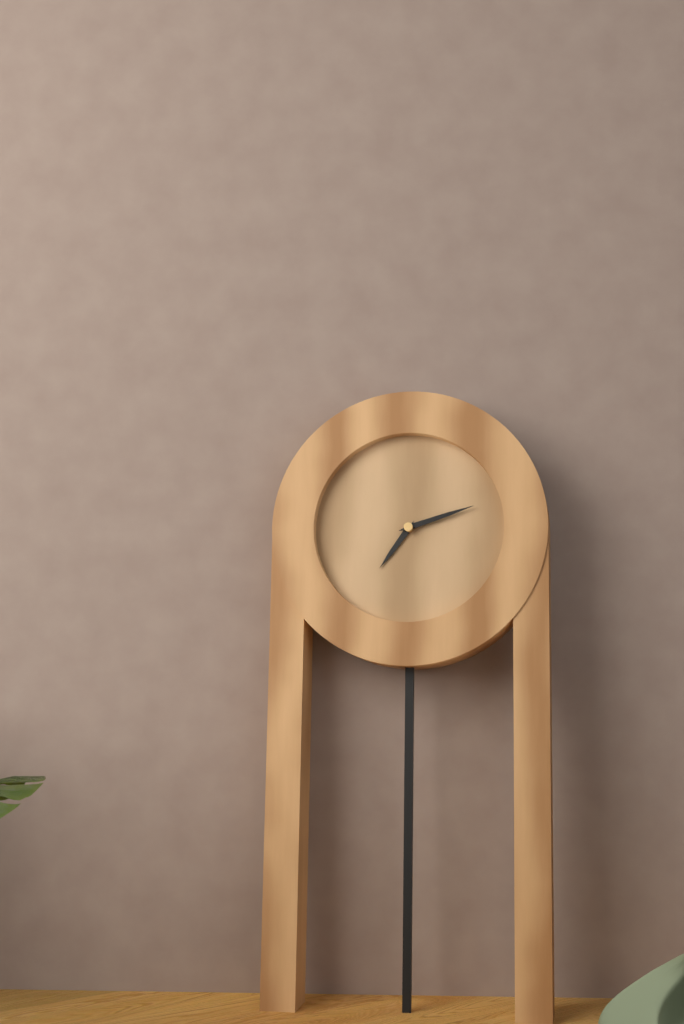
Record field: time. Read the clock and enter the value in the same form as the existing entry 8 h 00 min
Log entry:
7 h 12 min
